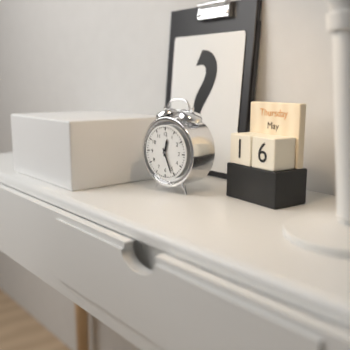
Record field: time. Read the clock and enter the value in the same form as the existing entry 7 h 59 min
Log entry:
12 h 26 min
